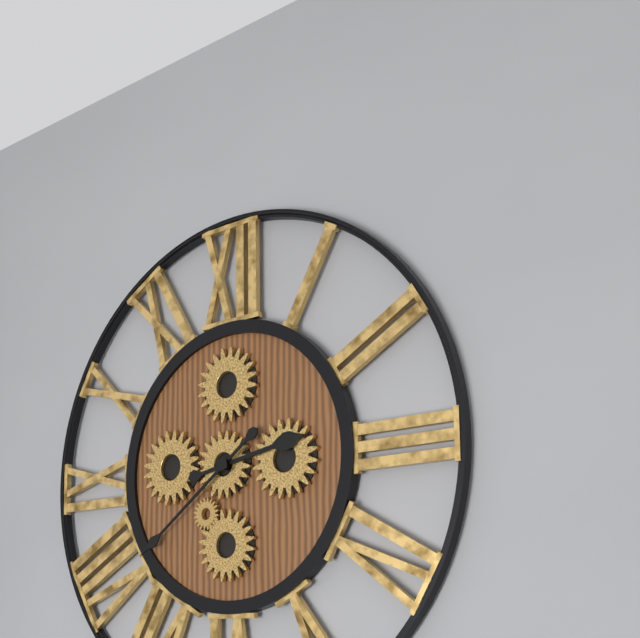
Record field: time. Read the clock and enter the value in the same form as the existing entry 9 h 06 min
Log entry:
2 h 39 min
